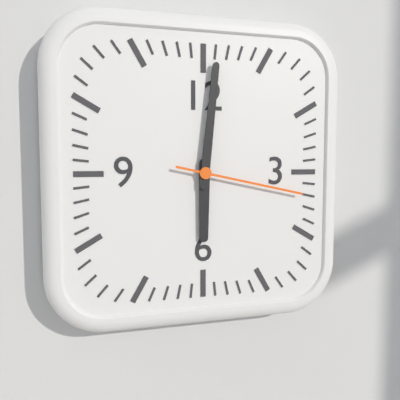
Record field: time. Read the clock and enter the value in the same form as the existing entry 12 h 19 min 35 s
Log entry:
6 h 01 min 17 s
